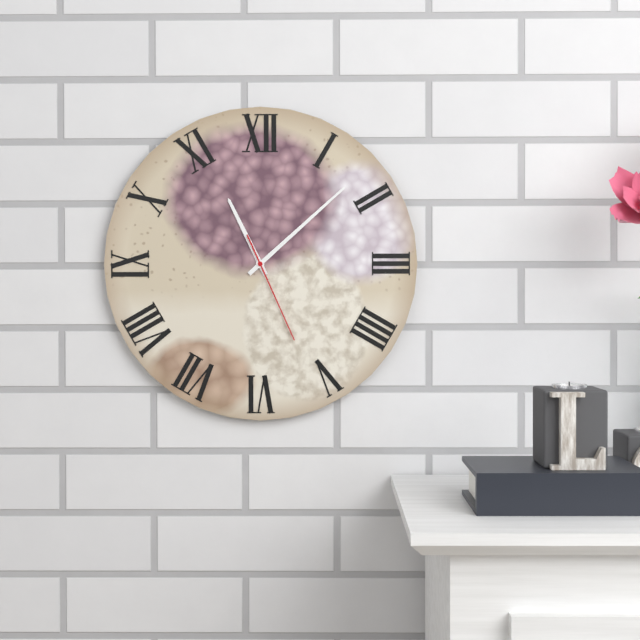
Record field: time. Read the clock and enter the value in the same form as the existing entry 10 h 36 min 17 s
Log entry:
11 h 08 min 26 s
